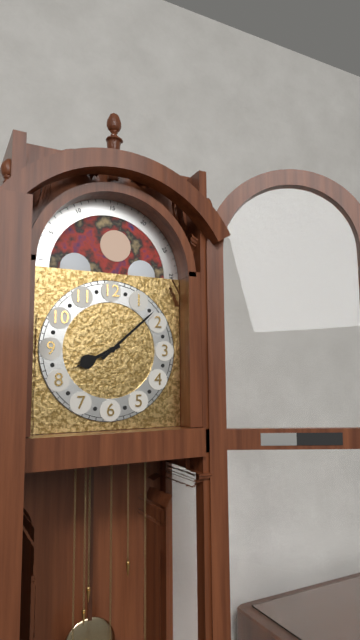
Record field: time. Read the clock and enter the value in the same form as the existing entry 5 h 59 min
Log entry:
8 h 08 min
